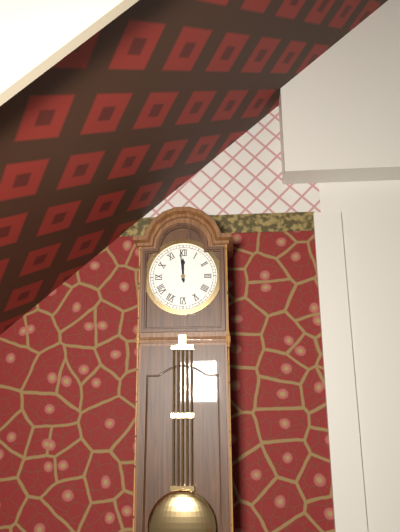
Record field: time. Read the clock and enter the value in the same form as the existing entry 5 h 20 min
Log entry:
11 h 59 min
